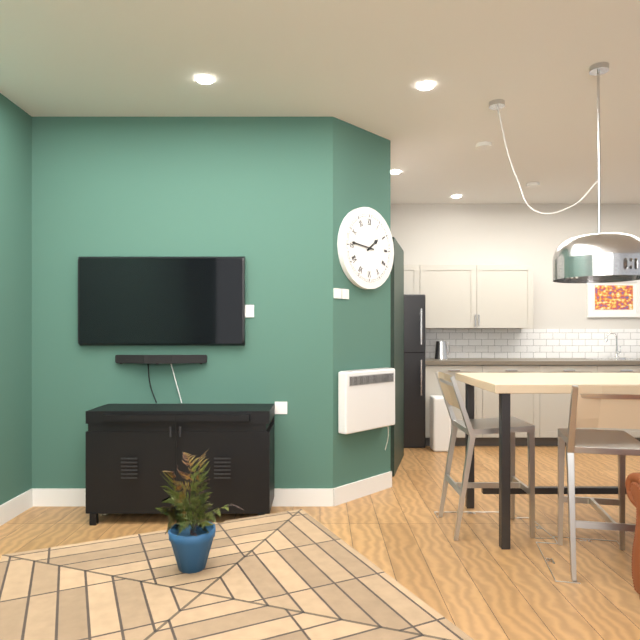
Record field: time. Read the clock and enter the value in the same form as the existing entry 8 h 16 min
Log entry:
1 h 46 min
